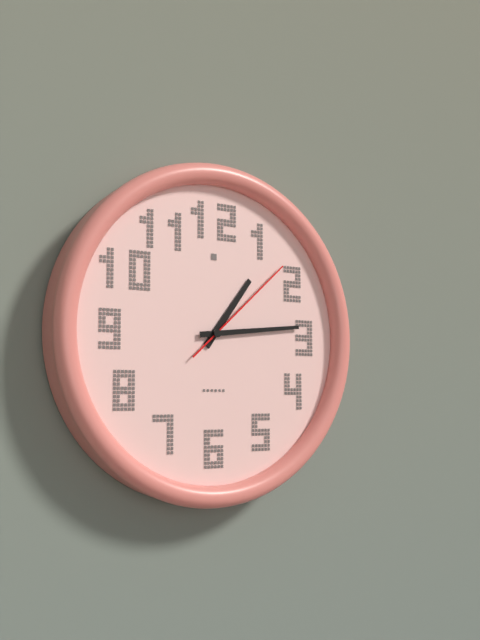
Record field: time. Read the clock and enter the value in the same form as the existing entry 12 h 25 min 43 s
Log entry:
1 h 14 min 08 s
